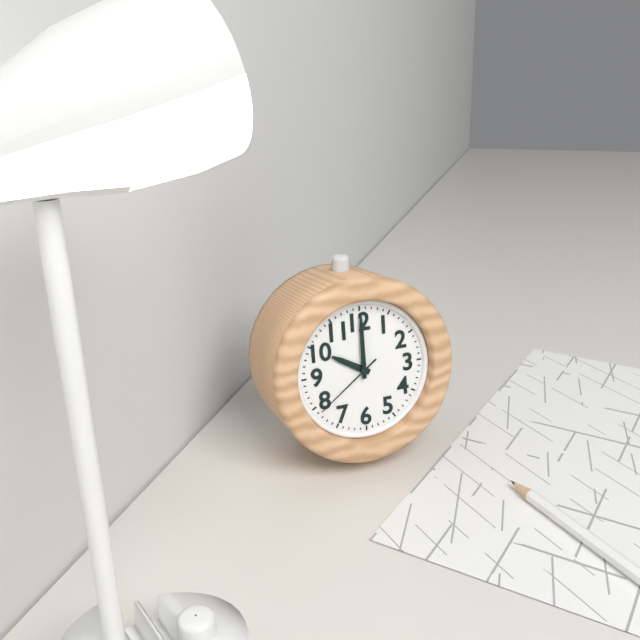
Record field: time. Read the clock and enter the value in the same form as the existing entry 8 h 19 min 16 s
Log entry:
10 h 00 min 39 s
